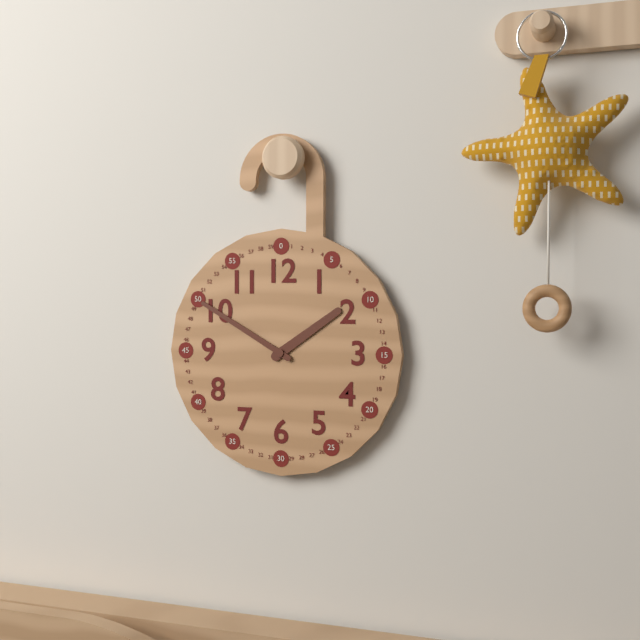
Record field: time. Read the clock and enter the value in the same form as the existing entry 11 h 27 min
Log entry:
1 h 50 min
